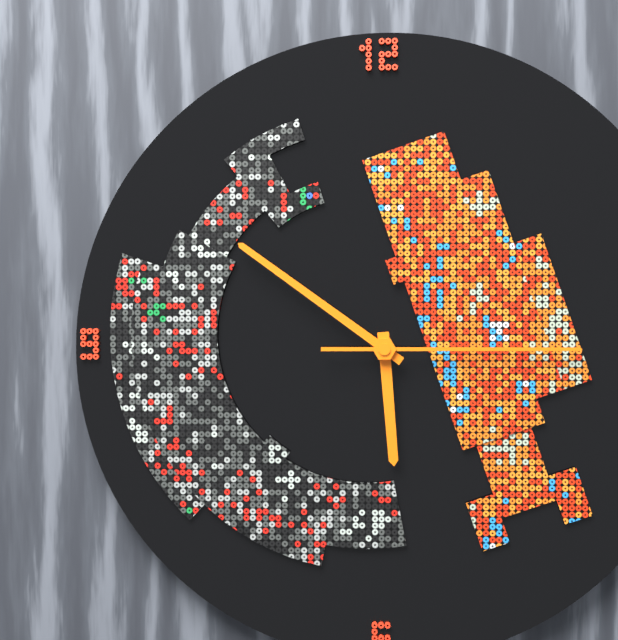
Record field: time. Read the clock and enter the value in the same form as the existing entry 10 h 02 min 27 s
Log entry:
5 h 51 min 15 s
